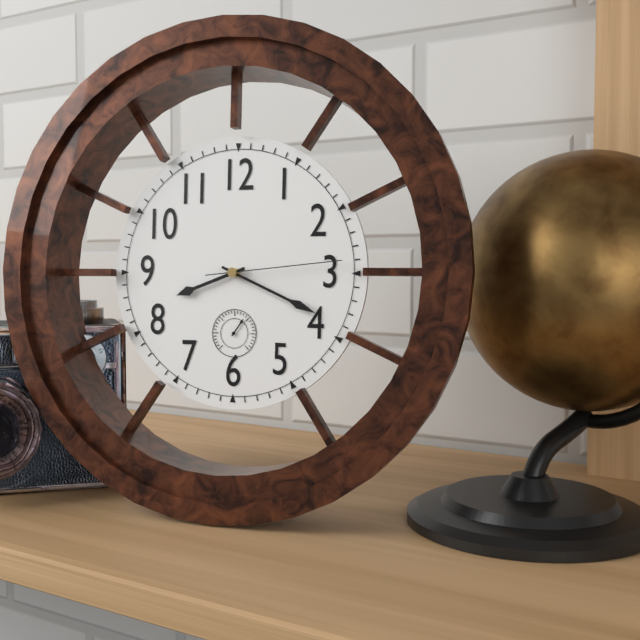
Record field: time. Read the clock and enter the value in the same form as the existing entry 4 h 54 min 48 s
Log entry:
8 h 19 min 14 s
